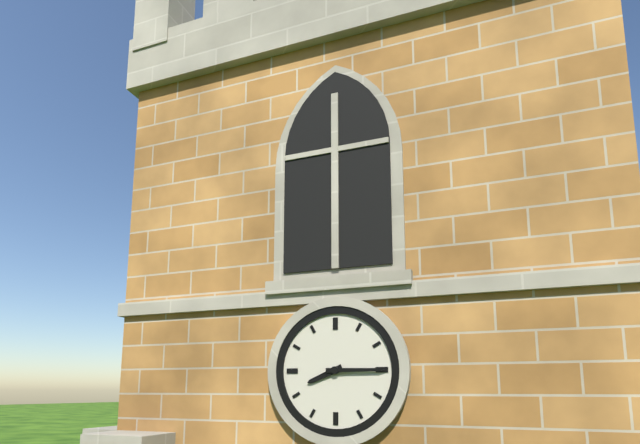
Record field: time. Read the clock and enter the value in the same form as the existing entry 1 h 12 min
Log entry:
8 h 15 min
